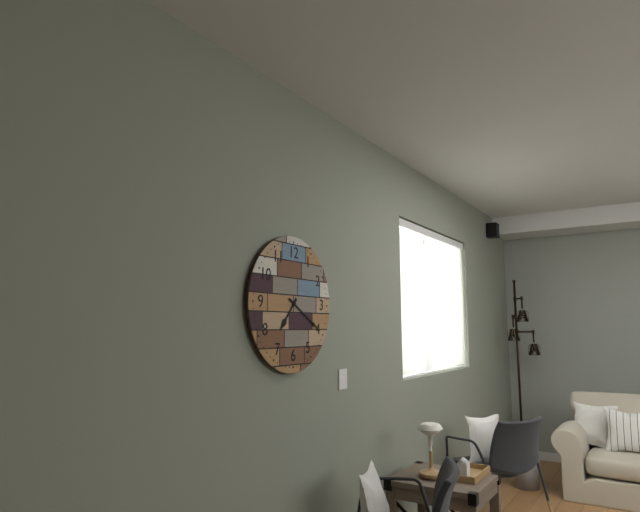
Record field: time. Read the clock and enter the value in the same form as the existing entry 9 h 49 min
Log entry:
7 h 20 min
